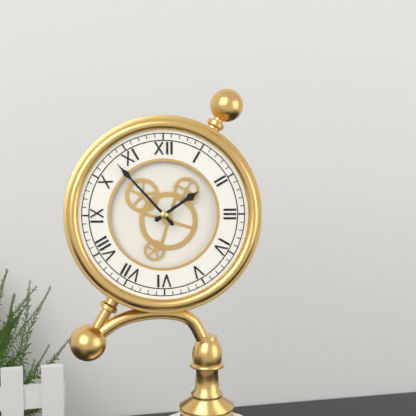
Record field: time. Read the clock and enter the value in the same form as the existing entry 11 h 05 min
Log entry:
1 h 53 min
